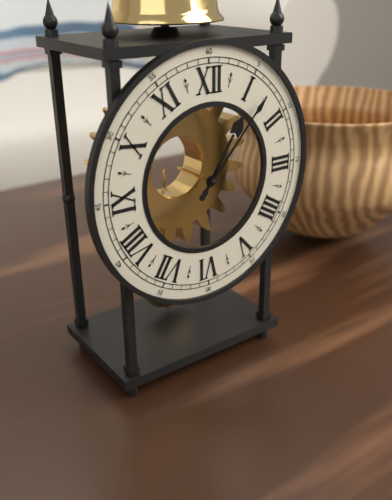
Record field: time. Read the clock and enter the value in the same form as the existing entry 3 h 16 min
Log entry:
1 h 07 min
